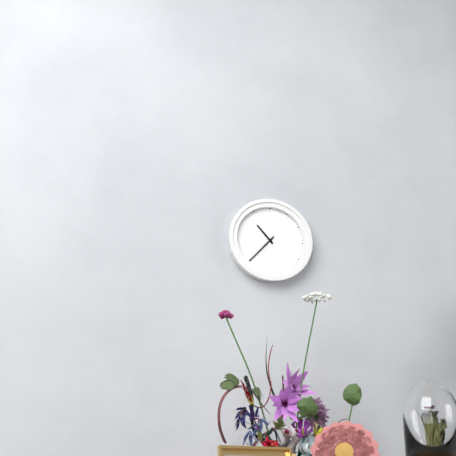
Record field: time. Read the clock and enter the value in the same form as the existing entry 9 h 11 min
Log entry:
10 h 37 min
